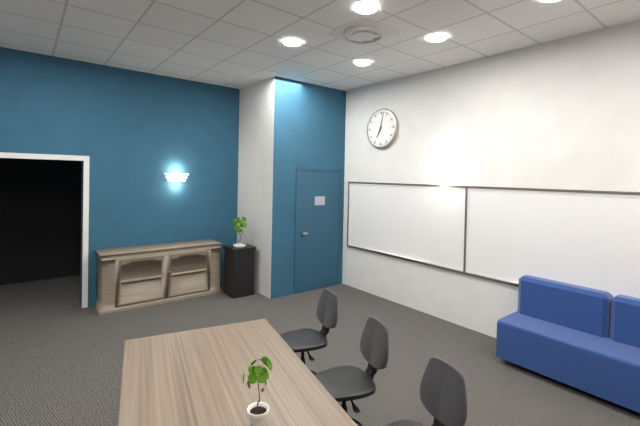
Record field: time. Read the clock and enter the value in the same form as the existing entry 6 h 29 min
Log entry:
7 h 02 min
